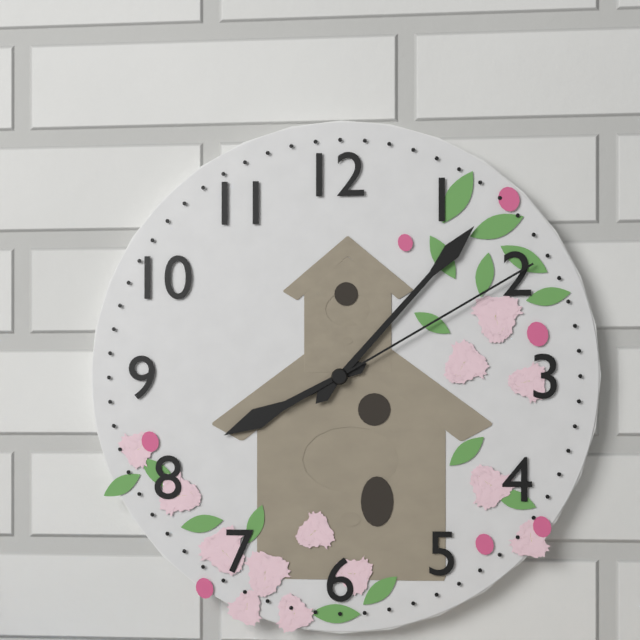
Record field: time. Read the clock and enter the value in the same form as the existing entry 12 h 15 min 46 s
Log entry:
8 h 07 min 10 s
